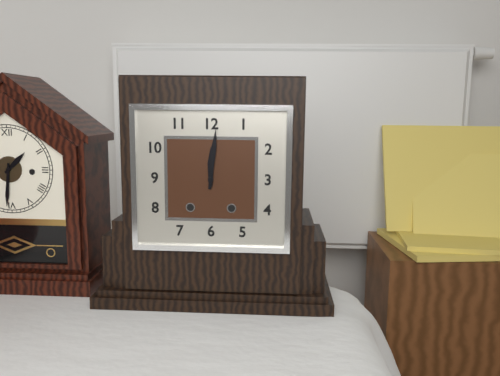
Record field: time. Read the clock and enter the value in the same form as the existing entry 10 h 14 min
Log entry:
12 h 01 min
